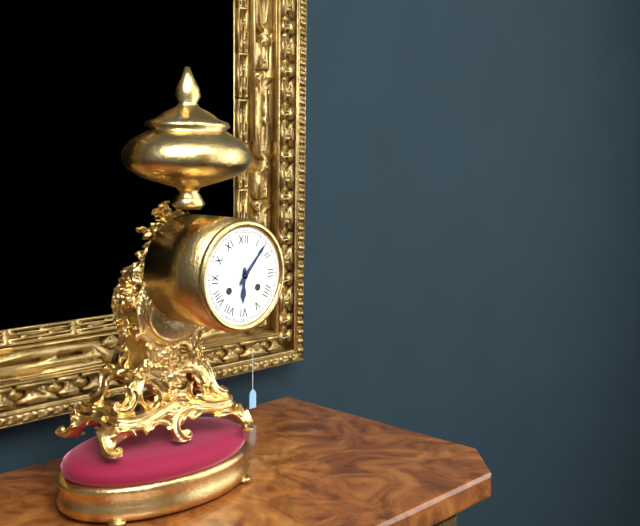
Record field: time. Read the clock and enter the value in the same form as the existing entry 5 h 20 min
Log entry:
6 h 07 min
